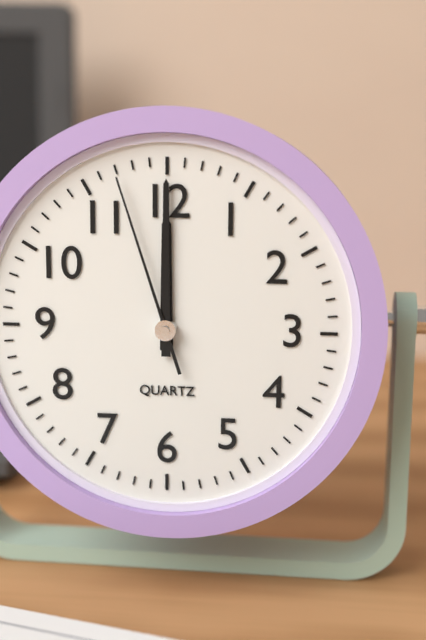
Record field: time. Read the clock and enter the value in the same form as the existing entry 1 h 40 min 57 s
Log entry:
12 h 00 min 57 s
